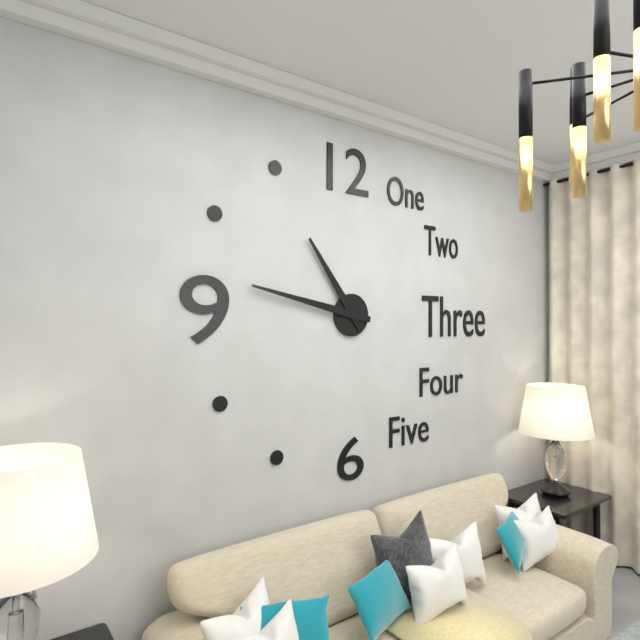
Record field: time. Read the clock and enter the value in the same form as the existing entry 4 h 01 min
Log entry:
10 h 47 min
